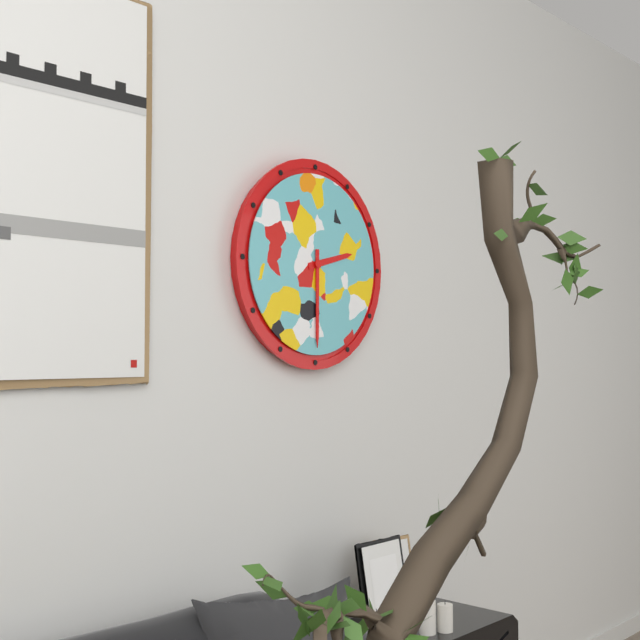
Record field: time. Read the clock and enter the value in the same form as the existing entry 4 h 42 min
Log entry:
2 h 30 min
